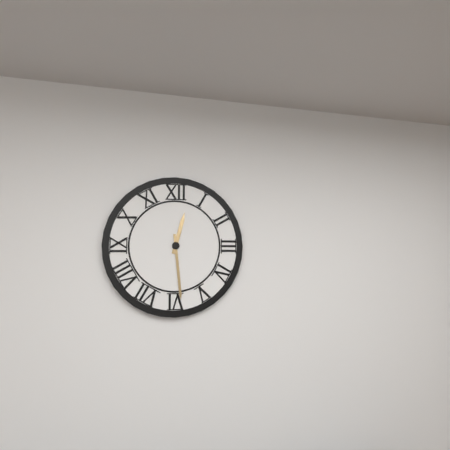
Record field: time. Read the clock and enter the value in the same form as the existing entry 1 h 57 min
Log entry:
12 h 29 min
